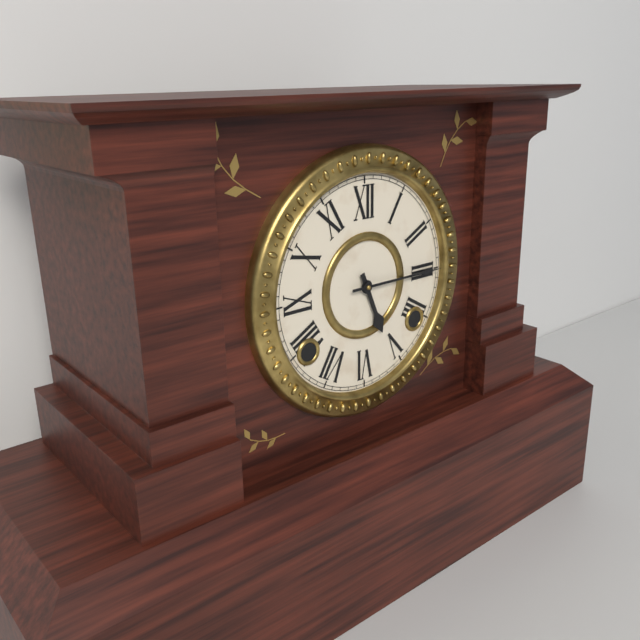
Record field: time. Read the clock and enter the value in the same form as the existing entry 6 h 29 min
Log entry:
5 h 15 min
